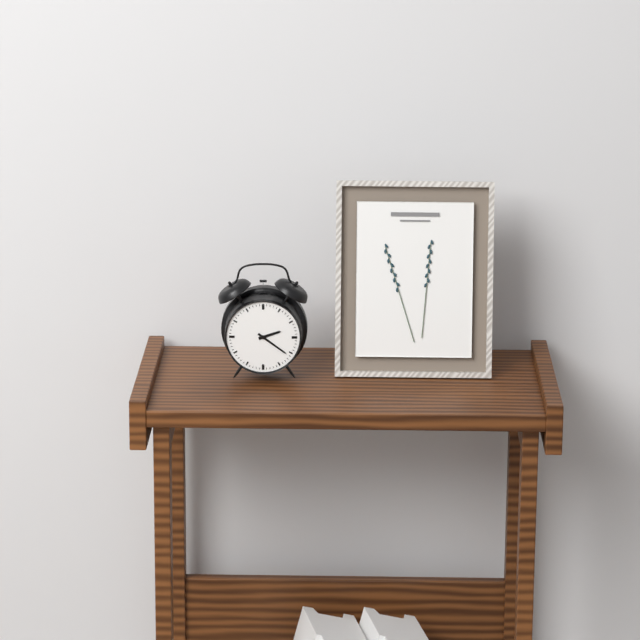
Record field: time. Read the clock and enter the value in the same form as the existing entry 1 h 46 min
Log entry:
2 h 21 min
